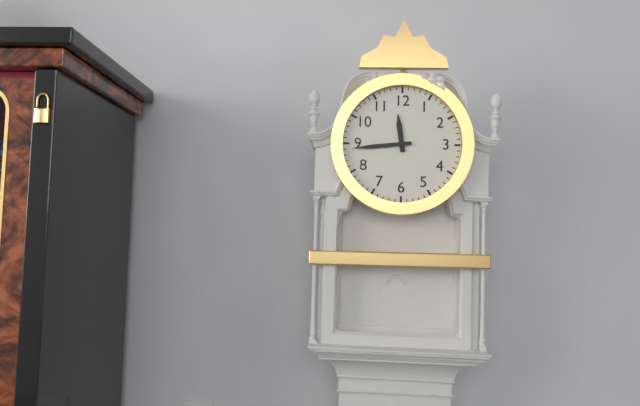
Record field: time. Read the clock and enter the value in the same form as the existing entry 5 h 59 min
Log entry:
11 h 44 min
